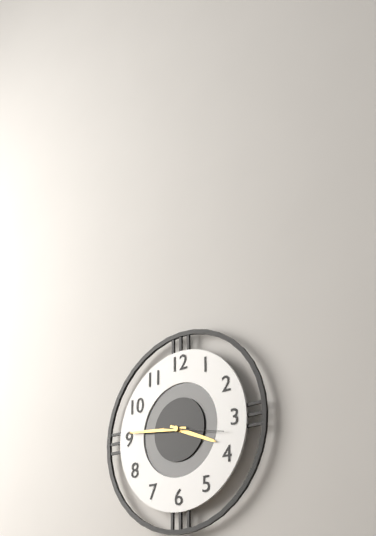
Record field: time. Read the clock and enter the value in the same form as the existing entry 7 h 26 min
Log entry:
3 h 46 min
